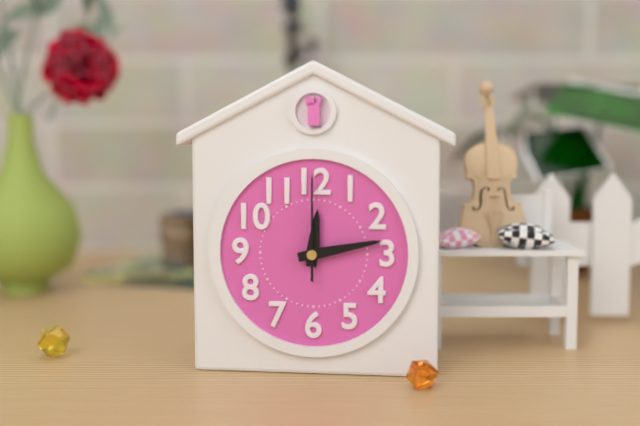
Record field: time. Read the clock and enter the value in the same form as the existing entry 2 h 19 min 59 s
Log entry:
12 h 13 min 00 s
